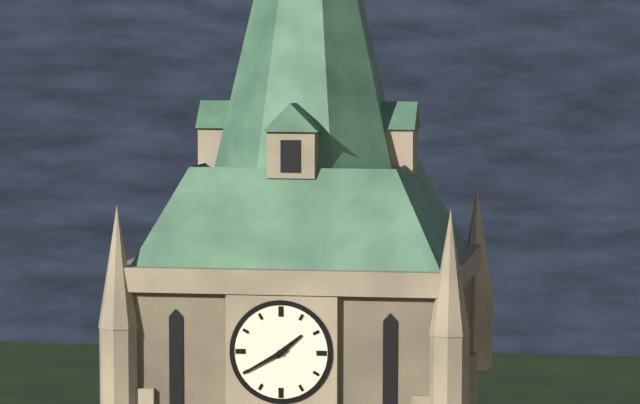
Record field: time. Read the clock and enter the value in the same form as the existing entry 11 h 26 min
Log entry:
1 h 40 min
